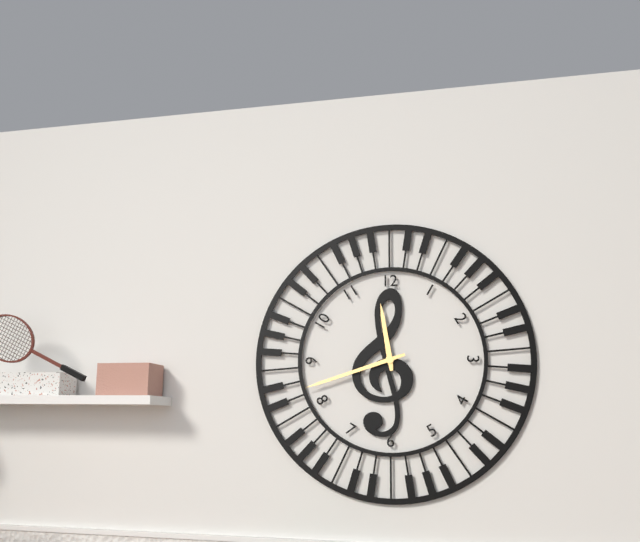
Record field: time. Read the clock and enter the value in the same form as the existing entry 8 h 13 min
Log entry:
11 h 42 min
